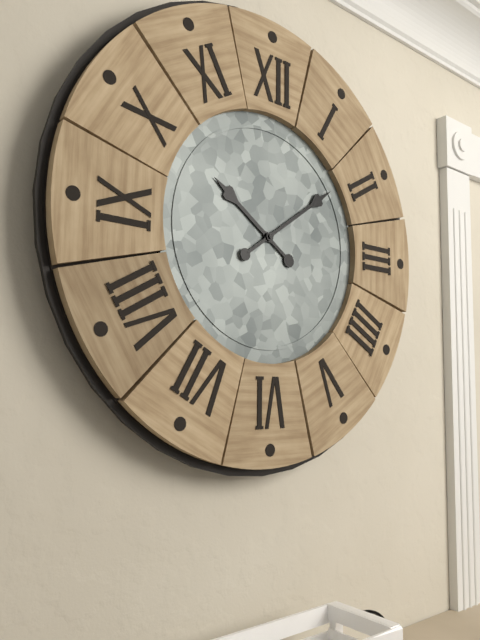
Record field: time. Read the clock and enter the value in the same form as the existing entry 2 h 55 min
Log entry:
10 h 09 min
